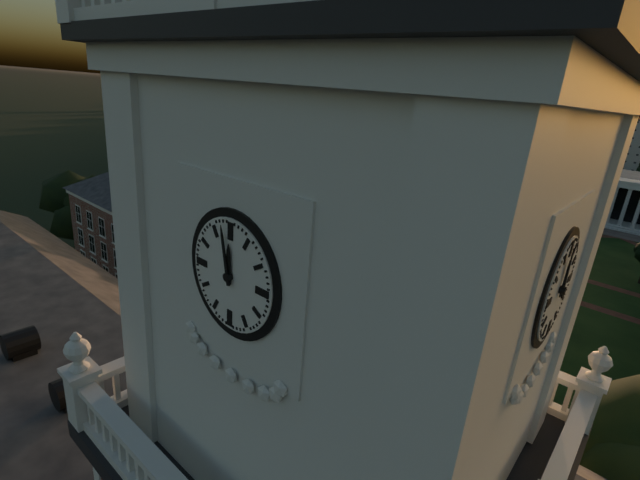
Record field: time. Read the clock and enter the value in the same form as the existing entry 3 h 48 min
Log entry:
11 h 58 min
